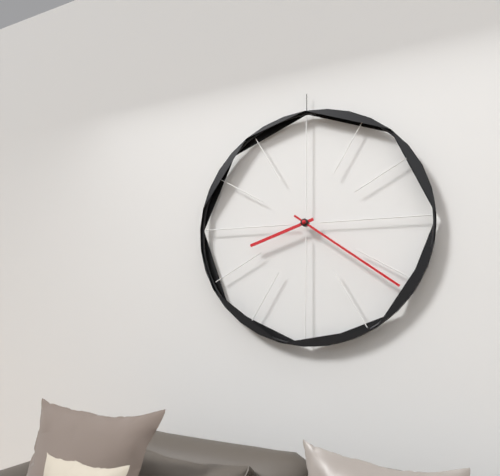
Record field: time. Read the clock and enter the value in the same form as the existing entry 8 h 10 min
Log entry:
8 h 21 min
